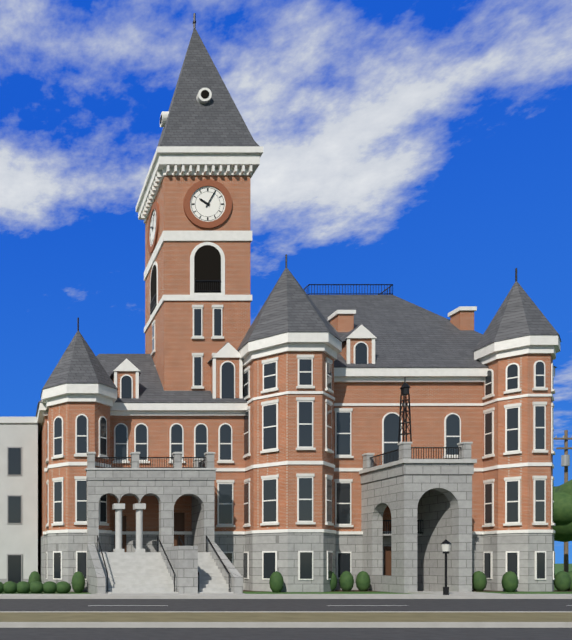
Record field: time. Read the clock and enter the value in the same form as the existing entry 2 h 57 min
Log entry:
10 h 05 min
